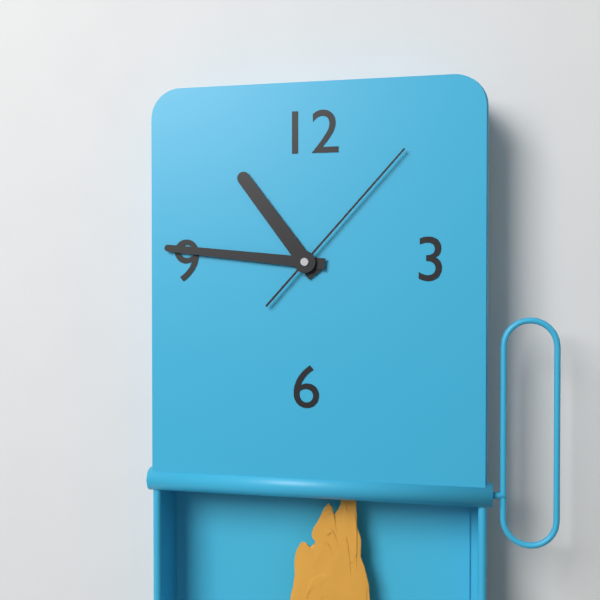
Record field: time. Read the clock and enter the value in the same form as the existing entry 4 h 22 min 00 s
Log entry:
10 h 46 min 07 s
